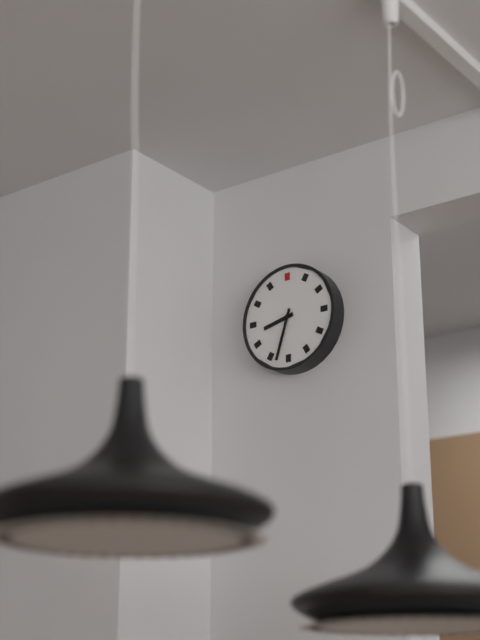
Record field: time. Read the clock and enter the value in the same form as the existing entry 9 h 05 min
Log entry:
8 h 33 min
